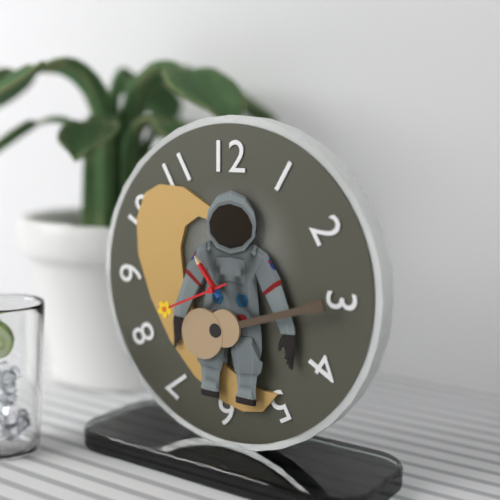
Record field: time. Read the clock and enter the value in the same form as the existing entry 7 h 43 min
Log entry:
10 h 41 min
